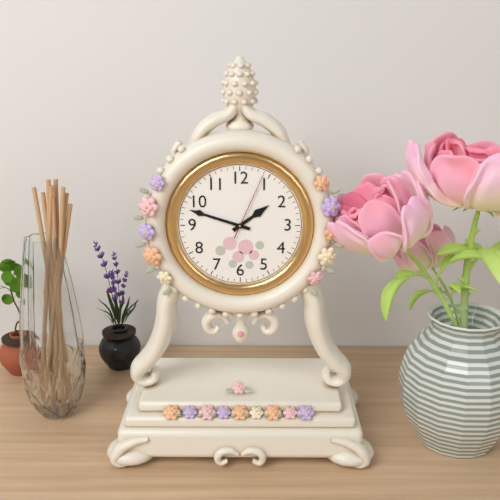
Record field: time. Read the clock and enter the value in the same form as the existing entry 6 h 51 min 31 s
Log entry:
1 h 48 min 04 s
